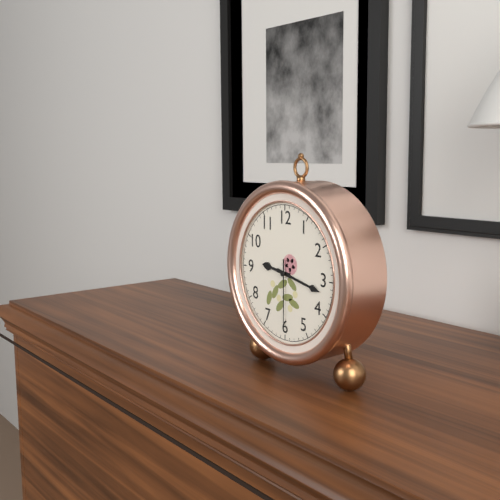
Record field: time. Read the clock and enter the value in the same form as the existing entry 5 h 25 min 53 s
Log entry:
9 h 17 min 30 s
